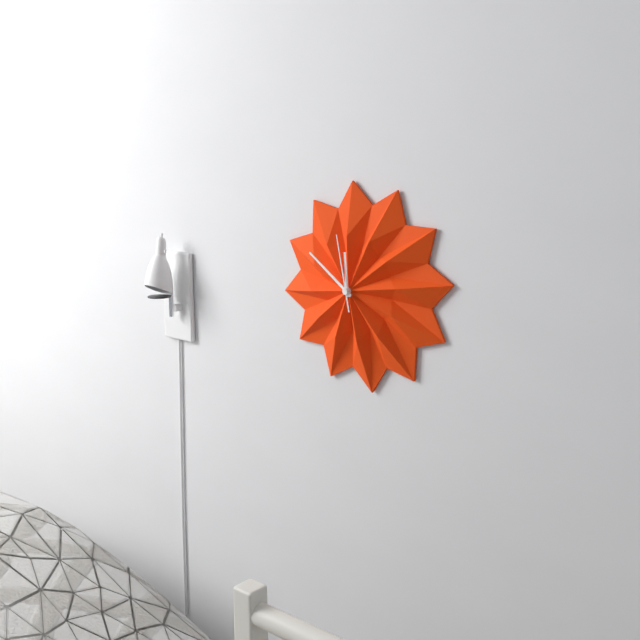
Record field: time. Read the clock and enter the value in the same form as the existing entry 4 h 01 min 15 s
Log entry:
11 h 51 min 58 s
